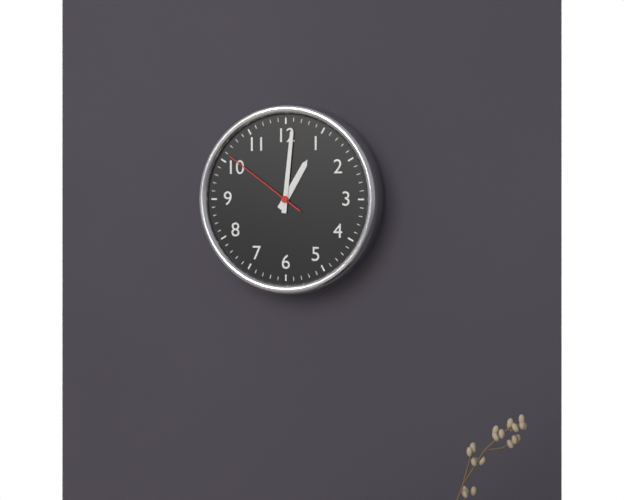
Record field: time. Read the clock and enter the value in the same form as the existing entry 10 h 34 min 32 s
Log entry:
1 h 01 min 51 s
